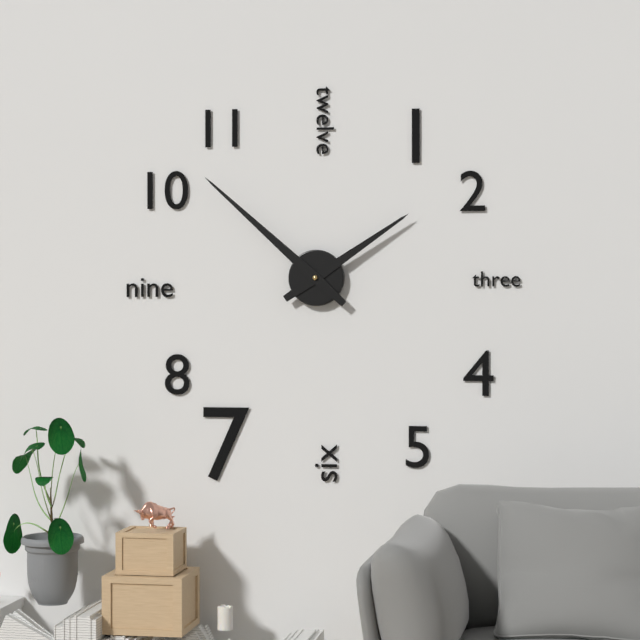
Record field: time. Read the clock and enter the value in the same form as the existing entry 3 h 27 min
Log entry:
1 h 52 min
